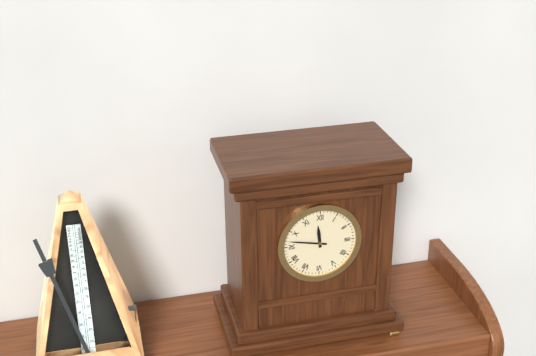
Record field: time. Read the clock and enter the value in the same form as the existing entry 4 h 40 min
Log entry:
11 h 47 min
